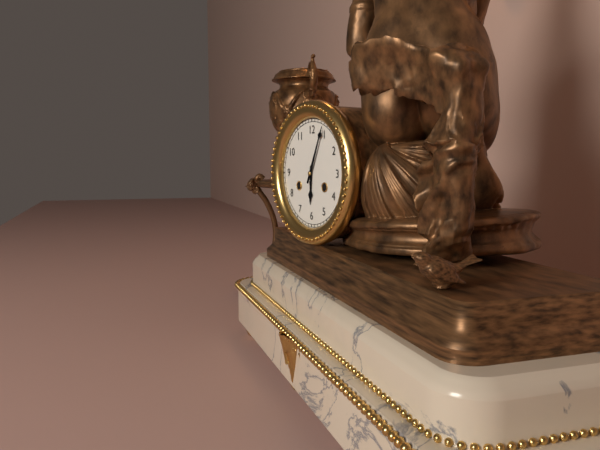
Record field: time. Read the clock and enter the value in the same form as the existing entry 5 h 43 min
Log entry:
6 h 04 min
